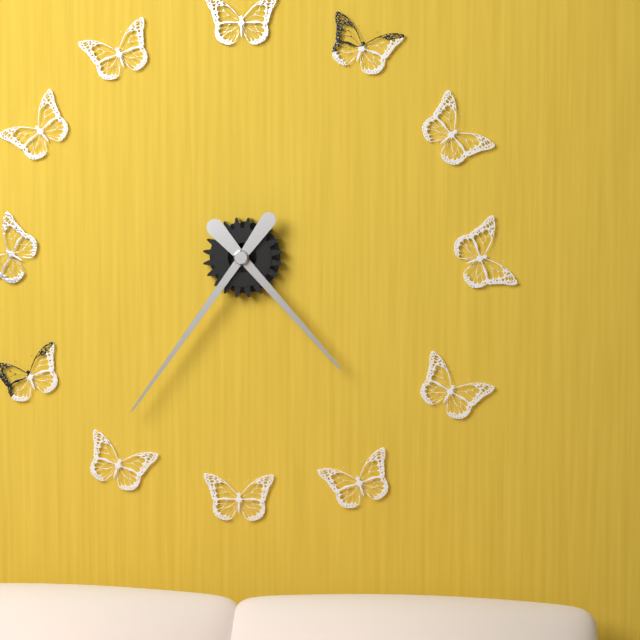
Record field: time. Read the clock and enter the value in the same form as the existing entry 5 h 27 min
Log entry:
4 h 36 min
